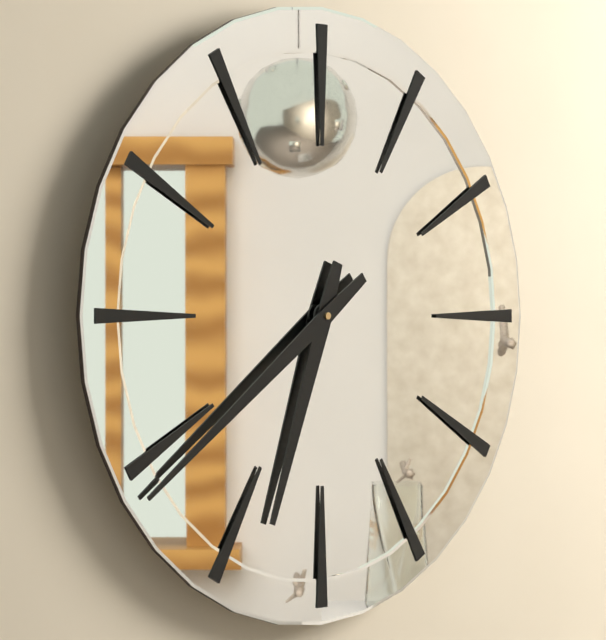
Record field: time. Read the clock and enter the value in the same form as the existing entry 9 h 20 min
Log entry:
6 h 39 min
